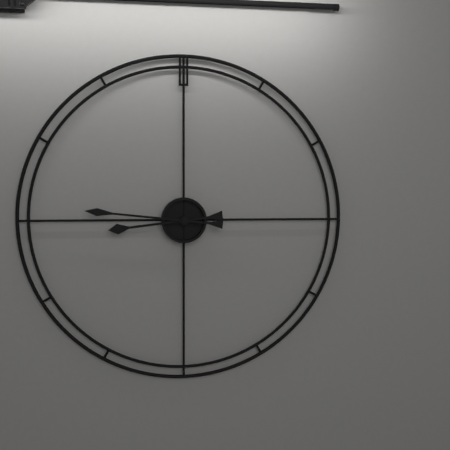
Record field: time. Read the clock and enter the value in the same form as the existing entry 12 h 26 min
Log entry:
8 h 46 min
